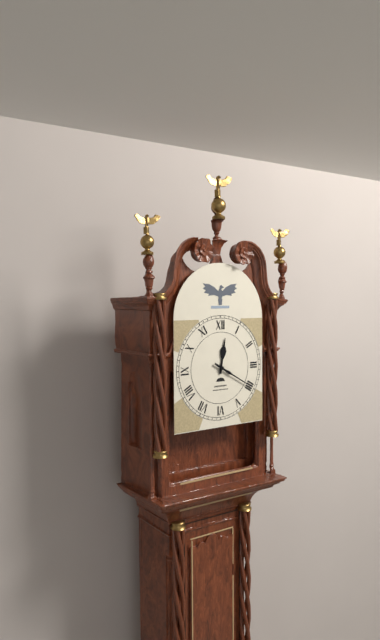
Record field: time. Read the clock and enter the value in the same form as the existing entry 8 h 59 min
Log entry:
12 h 20 min
